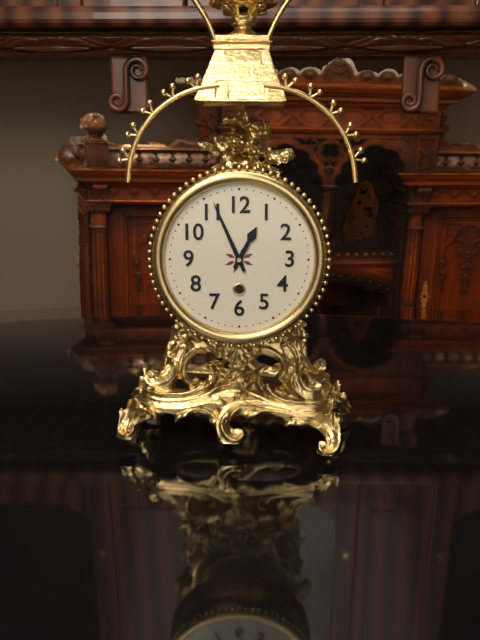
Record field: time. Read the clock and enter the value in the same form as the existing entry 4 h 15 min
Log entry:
12 h 56 min
